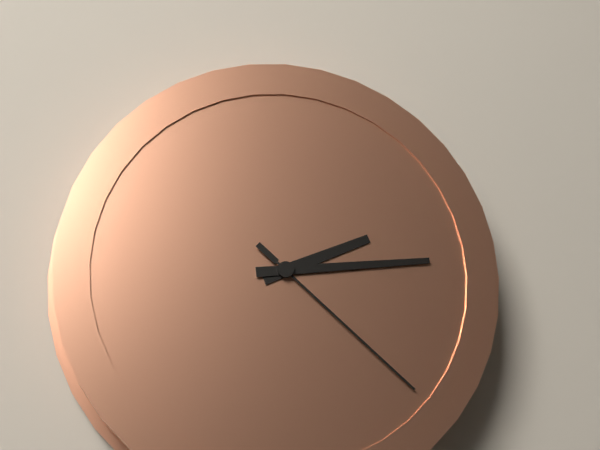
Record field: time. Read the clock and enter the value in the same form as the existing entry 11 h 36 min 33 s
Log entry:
2 h 14 min 22 s
